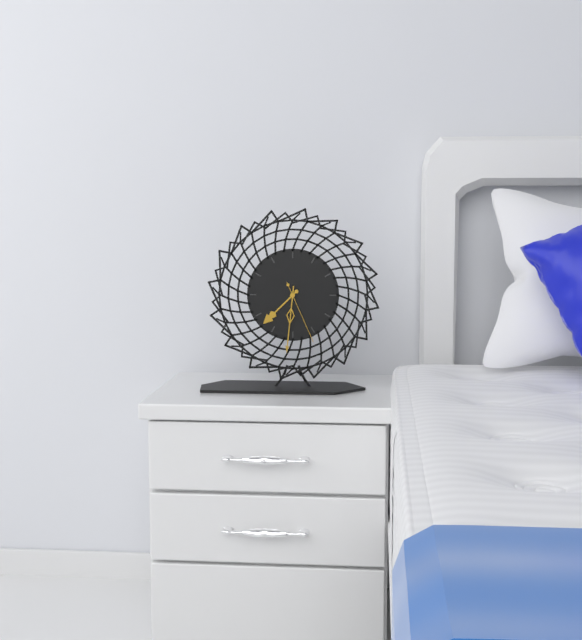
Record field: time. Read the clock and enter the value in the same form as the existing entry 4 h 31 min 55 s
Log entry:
7 h 31 min 26 s
